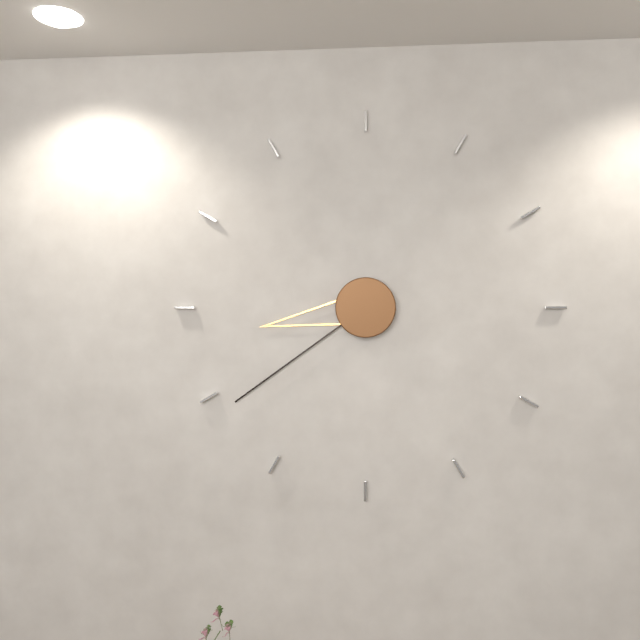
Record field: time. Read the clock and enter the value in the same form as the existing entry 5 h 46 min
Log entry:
8 h 39 min
